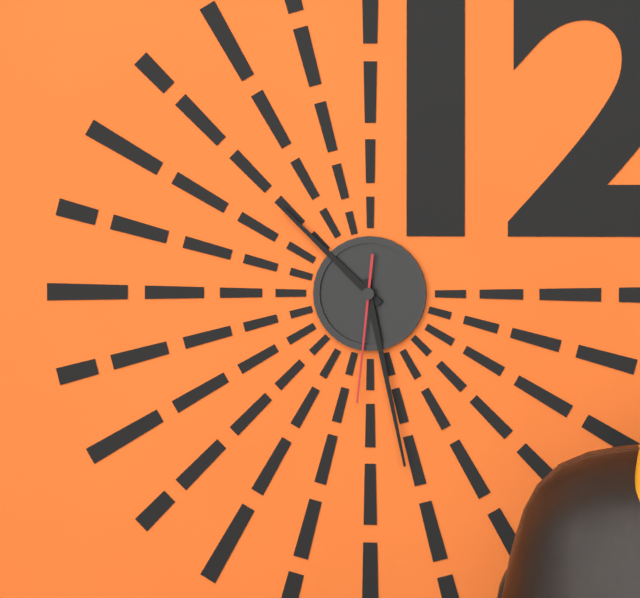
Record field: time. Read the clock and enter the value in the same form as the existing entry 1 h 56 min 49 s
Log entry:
10 h 28 min 31 s
